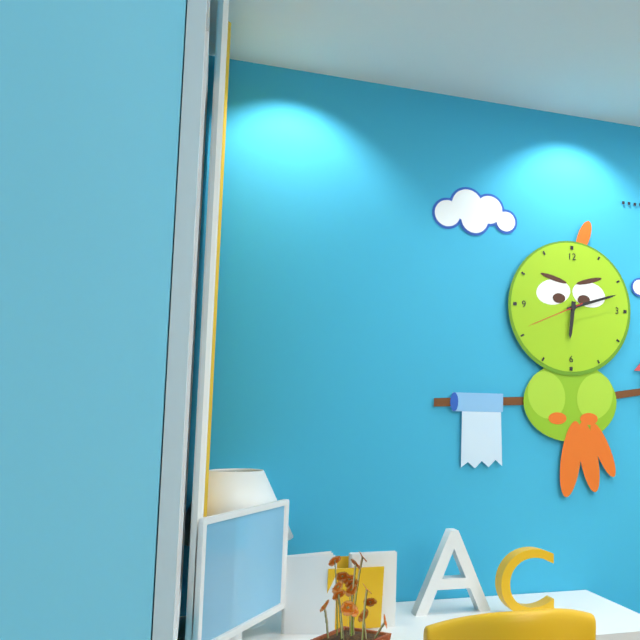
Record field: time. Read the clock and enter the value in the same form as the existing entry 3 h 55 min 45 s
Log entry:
6 h 12 min 41 s
